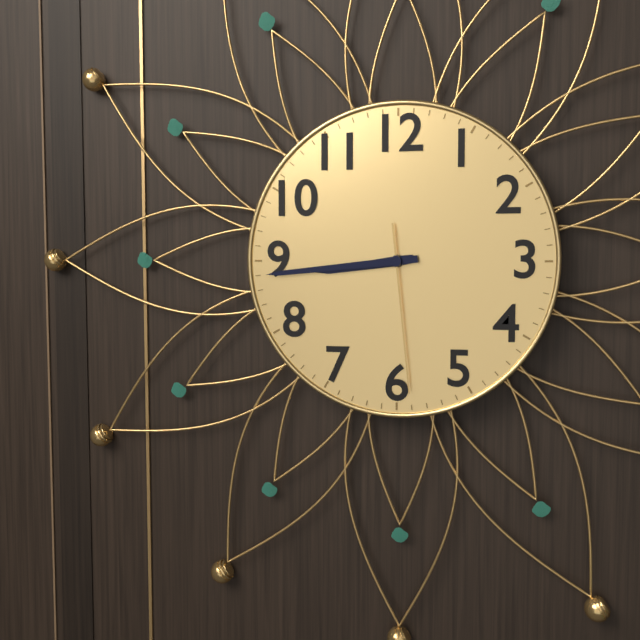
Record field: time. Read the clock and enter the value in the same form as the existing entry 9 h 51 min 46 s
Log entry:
8 h 44 min 29 s
